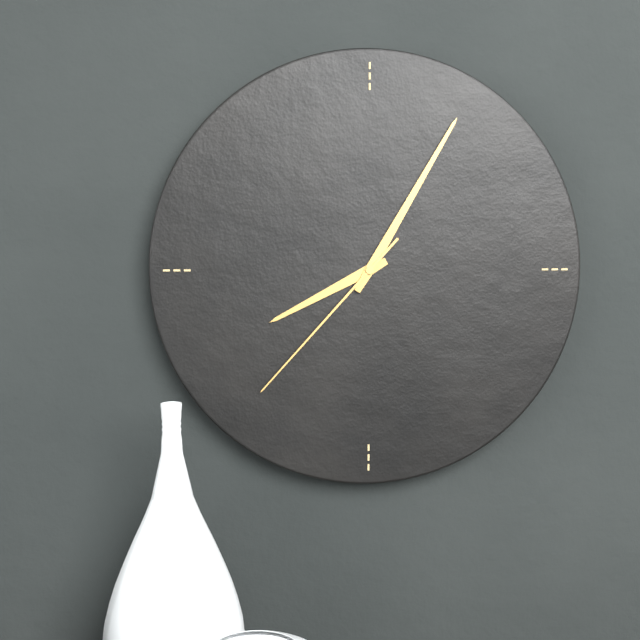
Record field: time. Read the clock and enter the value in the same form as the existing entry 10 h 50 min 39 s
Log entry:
8 h 05 min 37 s
